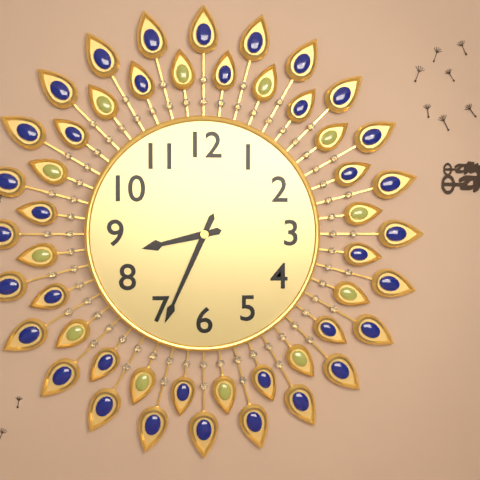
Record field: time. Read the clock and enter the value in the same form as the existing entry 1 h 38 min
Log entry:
8 h 34 min
